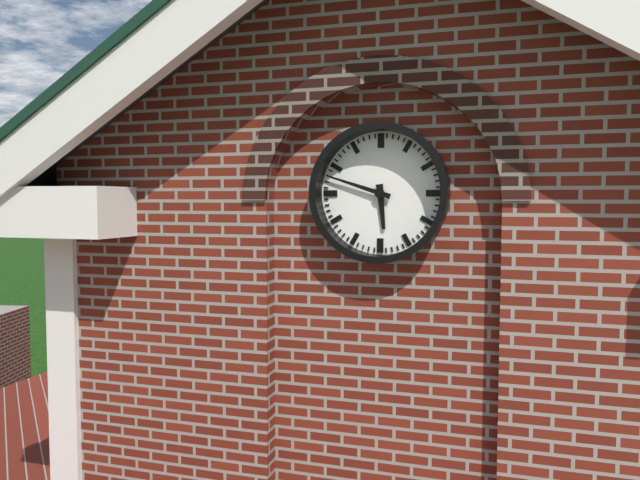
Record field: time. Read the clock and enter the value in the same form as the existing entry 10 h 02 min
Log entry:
5 h 48 min
